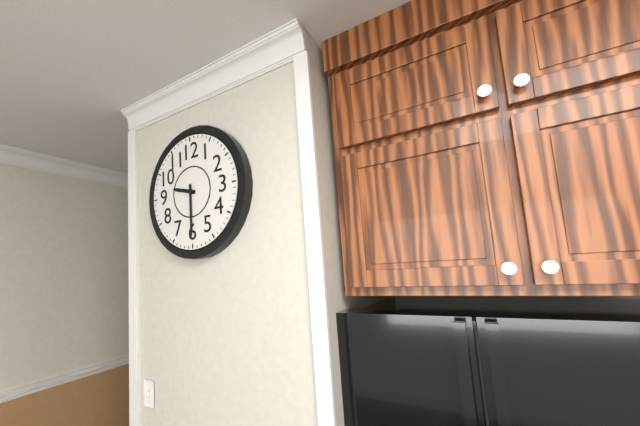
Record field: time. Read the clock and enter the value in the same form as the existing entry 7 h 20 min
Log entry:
9 h 30 min
